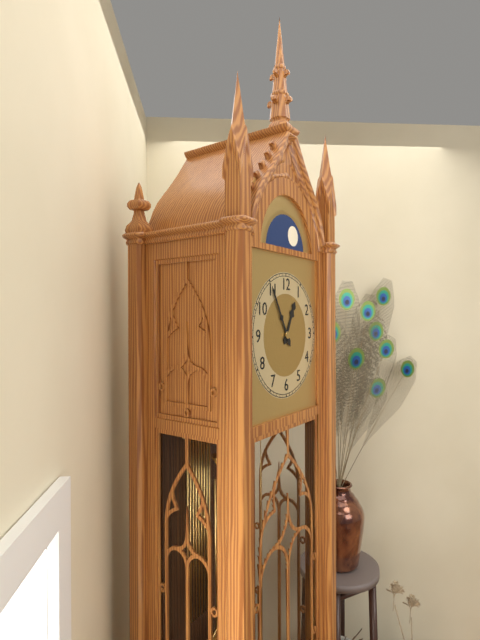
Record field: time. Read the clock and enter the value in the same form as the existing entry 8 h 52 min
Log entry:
12 h 55 min
